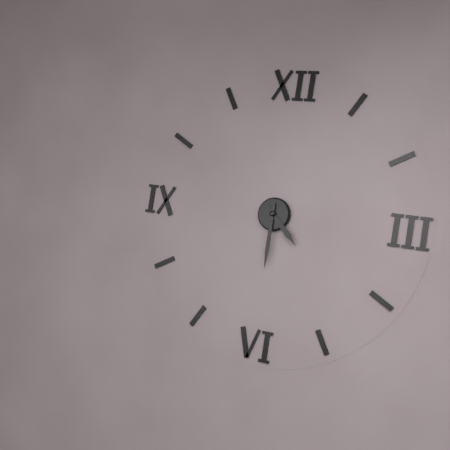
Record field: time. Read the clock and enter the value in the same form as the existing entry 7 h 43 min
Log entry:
4 h 30 min
